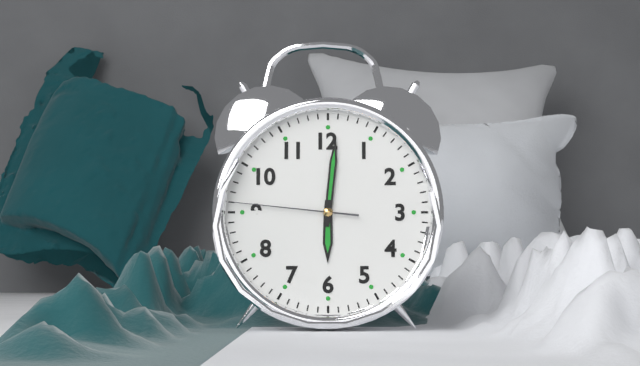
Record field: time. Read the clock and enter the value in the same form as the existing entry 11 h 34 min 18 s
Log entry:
6 h 01 min 46 s
